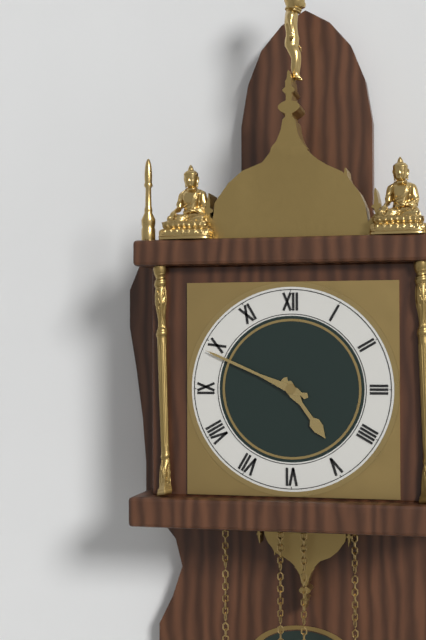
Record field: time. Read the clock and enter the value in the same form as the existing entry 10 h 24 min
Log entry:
4 h 49 min
